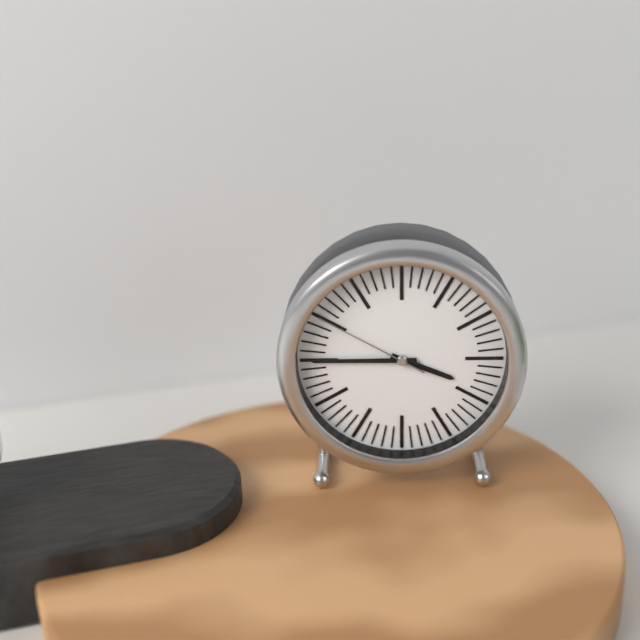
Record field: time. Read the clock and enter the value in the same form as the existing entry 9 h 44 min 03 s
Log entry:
3 h 45 min 50 s
